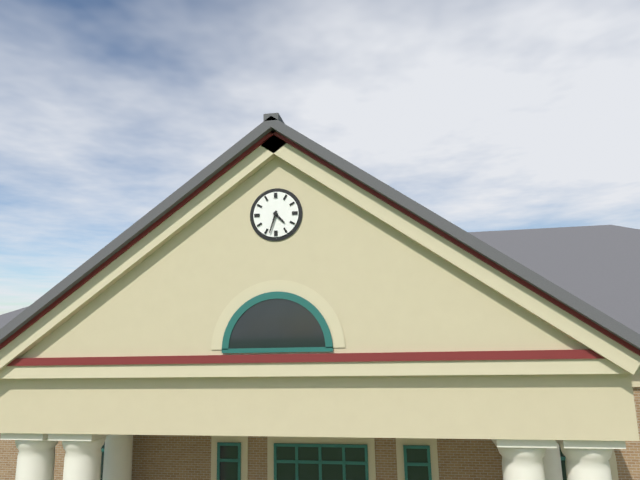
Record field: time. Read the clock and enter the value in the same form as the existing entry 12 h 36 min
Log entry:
4 h 33 min
